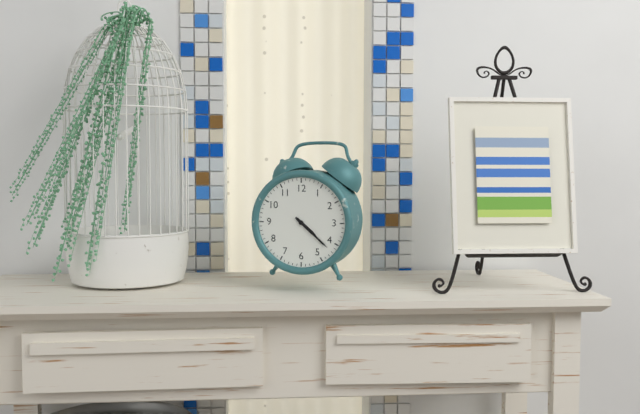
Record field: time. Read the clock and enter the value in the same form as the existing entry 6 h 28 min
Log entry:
4 h 22 min
